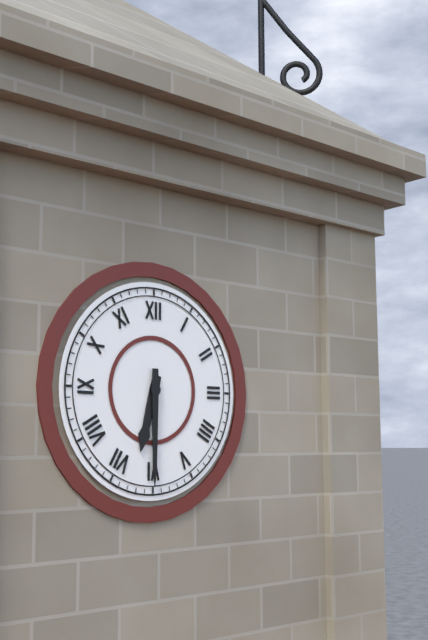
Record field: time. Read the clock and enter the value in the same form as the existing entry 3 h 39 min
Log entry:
6 h 30 min
